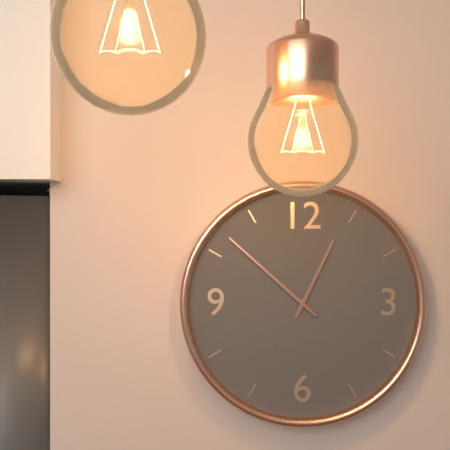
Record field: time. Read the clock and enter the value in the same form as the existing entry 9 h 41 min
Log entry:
12 h 52 min
